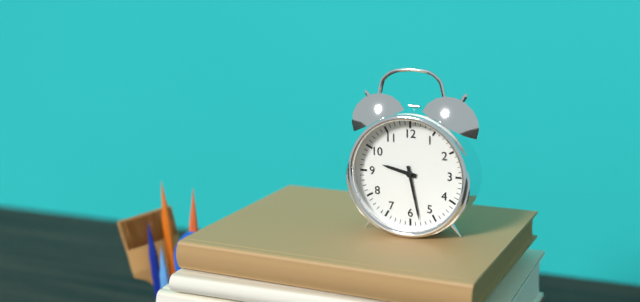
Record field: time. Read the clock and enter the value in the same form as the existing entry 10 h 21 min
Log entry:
9 h 28 min
